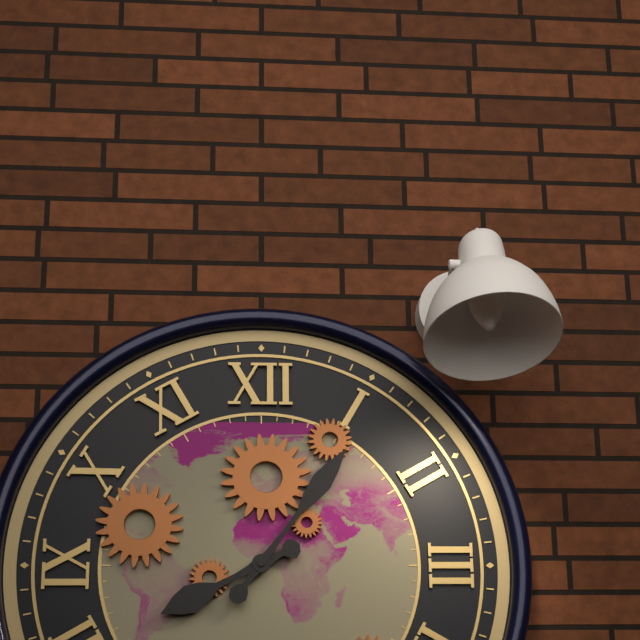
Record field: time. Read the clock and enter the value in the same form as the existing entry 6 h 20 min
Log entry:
8 h 06 min
